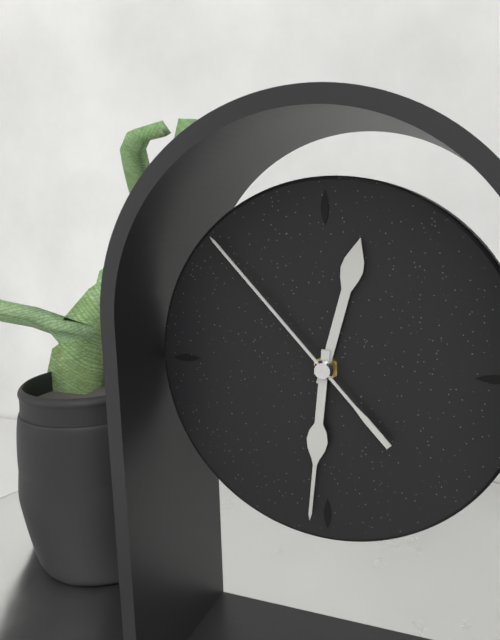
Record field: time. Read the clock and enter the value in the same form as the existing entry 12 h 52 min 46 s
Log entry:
12 h 31 min 53 s
